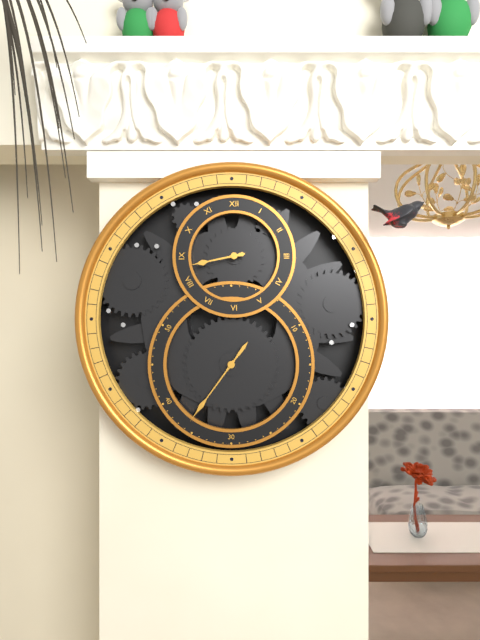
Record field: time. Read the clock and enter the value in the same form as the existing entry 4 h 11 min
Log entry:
8 h 36 min
